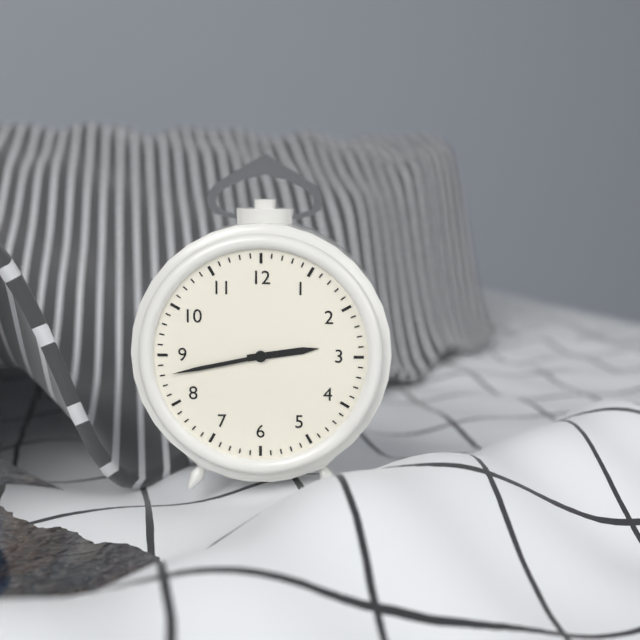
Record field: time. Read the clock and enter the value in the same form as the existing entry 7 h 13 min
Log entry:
2 h 43 min
